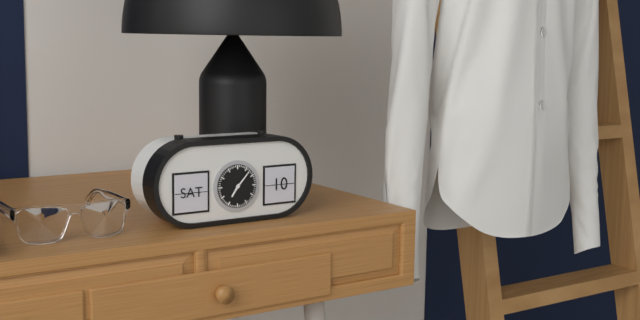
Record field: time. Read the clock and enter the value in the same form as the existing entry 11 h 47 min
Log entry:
7 h 07 min
